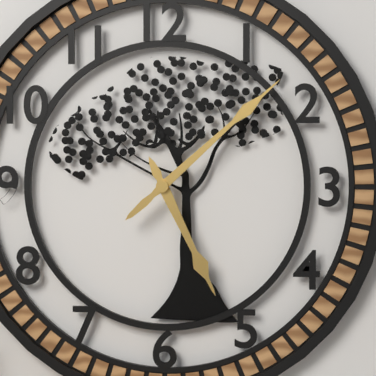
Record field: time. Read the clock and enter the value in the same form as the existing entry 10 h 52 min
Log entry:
5 h 08 min
